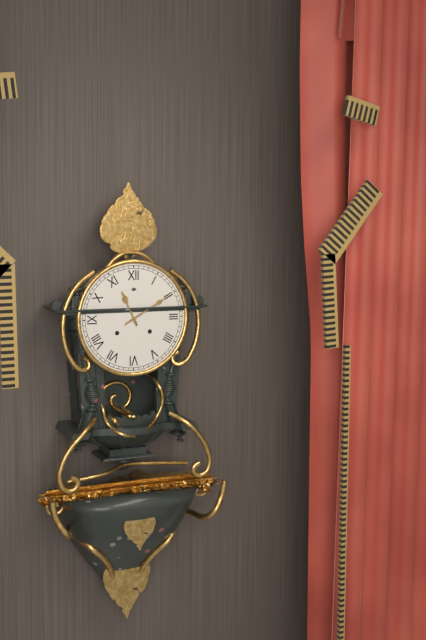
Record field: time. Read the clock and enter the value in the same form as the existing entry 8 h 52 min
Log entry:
11 h 10 min
